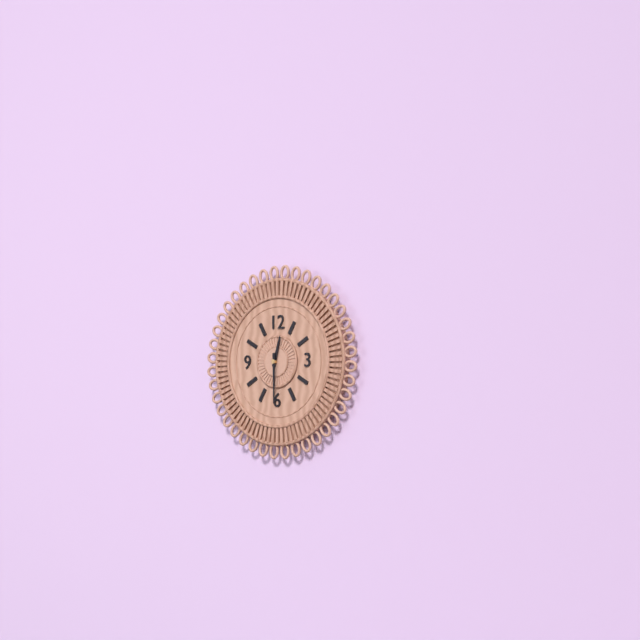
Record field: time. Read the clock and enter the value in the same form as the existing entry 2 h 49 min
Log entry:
12 h 30 min
